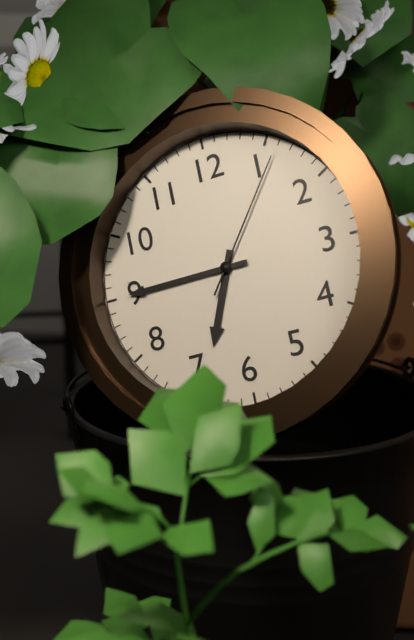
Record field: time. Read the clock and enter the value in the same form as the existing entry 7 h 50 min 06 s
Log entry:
6 h 45 min 06 s
